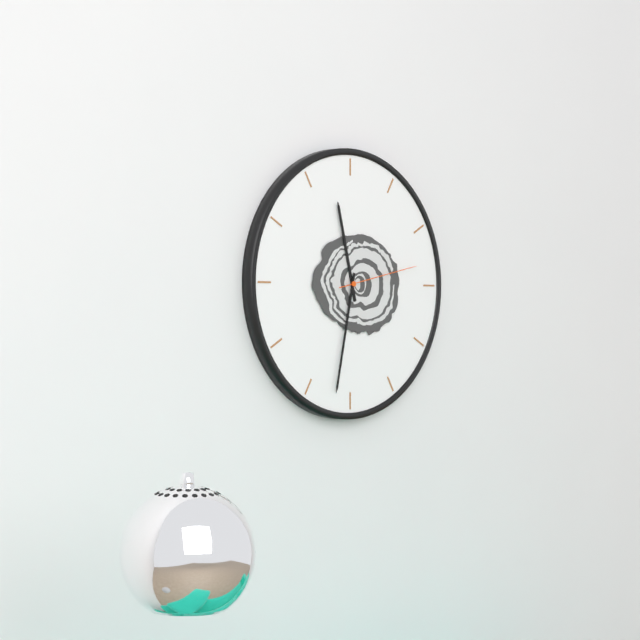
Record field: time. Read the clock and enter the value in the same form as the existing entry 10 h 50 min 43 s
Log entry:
11 h 32 min 13 s
